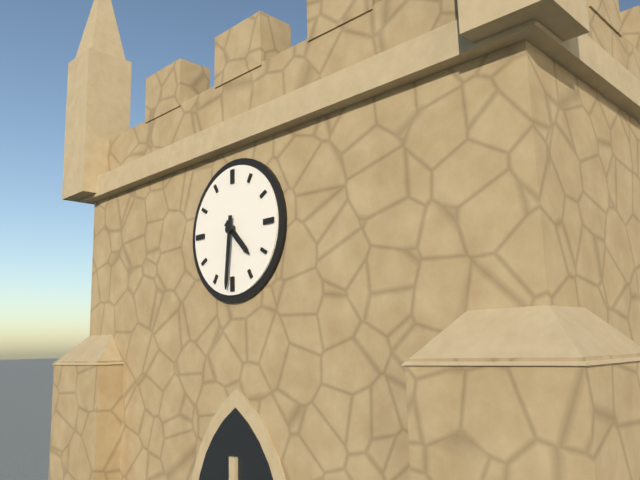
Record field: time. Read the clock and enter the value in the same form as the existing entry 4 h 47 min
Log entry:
4 h 31 min
